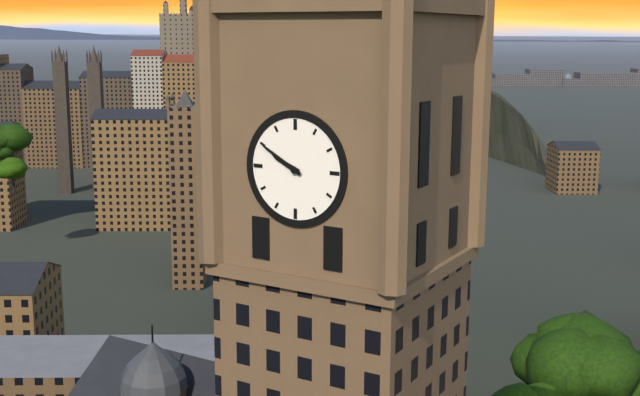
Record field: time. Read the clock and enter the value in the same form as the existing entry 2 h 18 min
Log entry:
9 h 50 min
